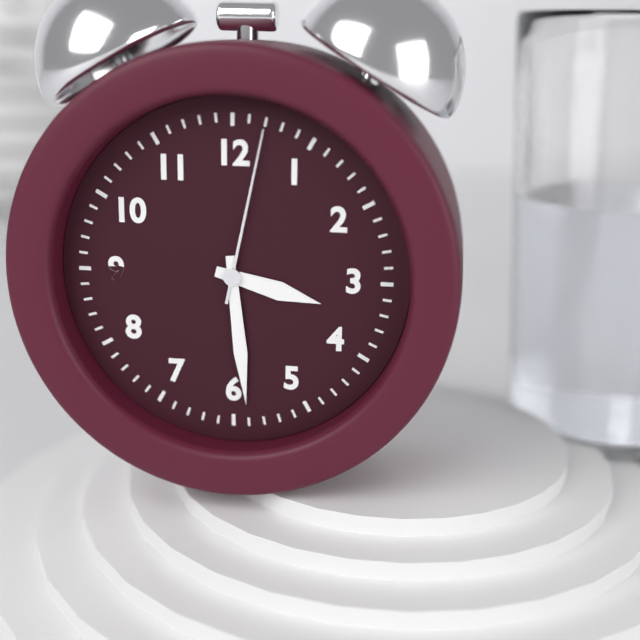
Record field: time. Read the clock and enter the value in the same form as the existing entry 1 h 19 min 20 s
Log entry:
3 h 29 min 02 s
